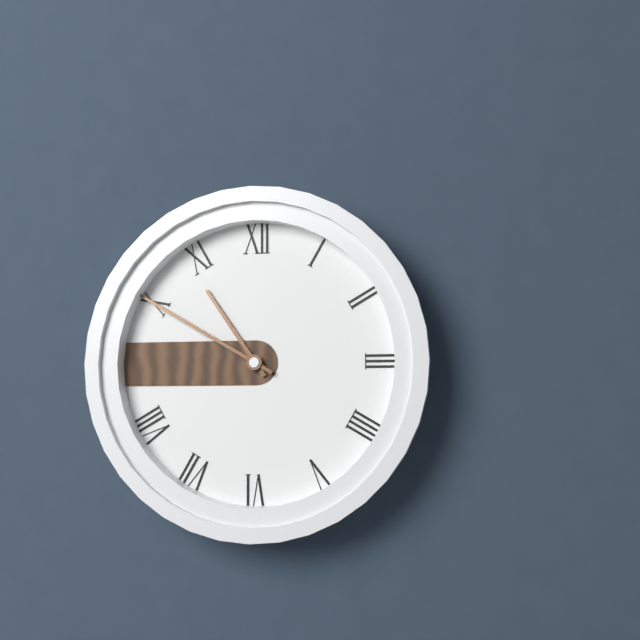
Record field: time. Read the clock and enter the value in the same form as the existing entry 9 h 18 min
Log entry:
10 h 50 min
